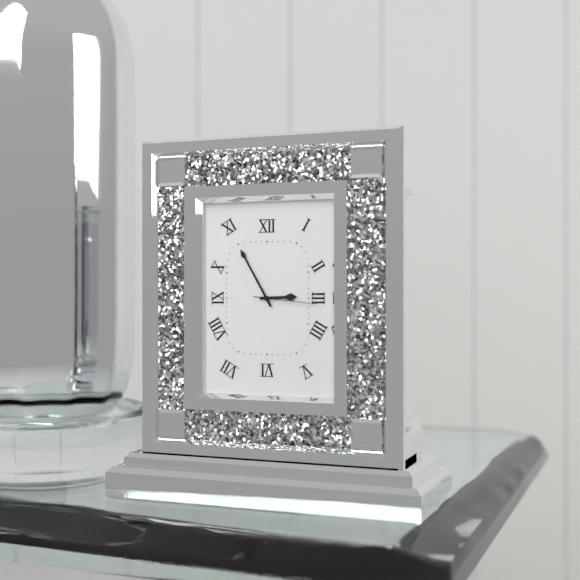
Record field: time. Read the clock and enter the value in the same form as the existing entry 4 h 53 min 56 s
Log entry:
2 h 55 min 16 s
